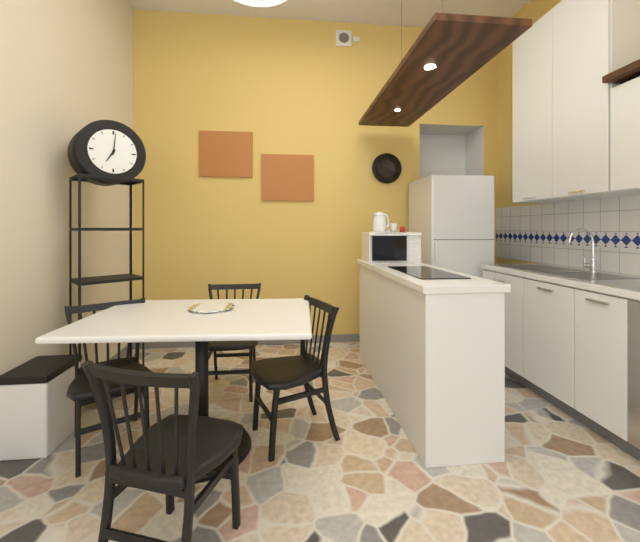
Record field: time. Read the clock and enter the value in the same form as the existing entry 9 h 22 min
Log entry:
7 h 01 min
